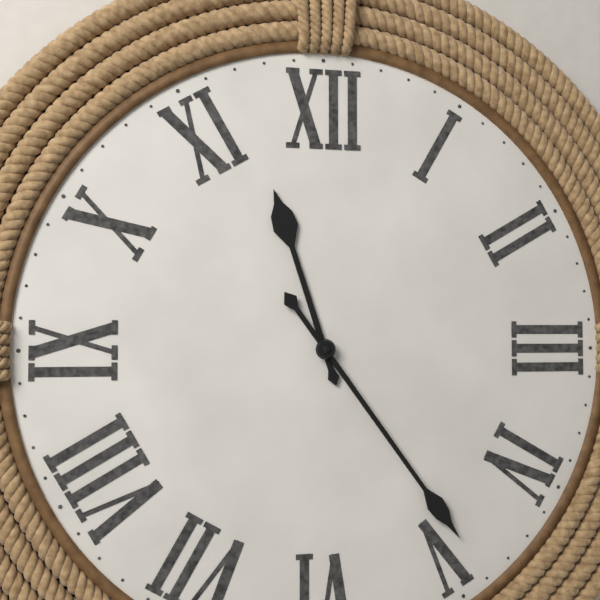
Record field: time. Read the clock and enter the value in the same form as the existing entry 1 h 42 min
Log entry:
11 h 24 min
